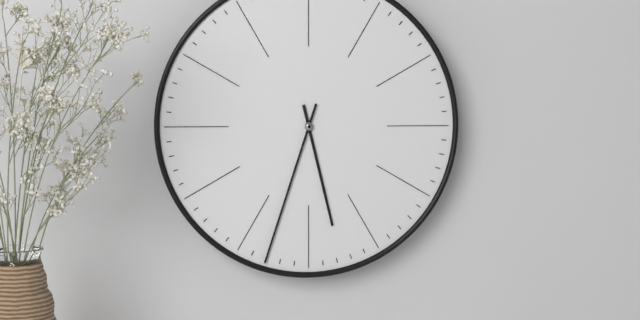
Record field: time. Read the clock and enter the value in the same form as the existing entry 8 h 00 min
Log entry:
5 h 33 min
